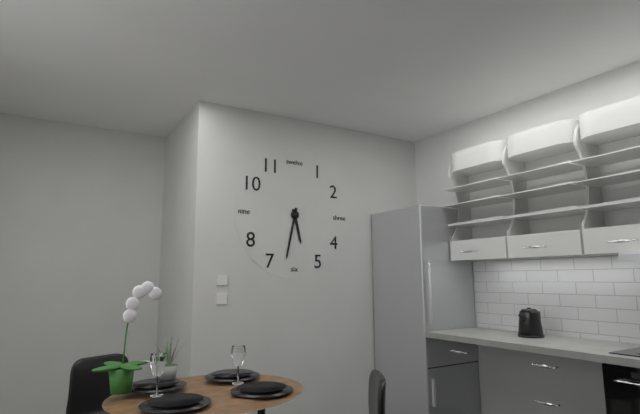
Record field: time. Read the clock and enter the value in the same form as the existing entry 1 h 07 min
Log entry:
5 h 32 min
